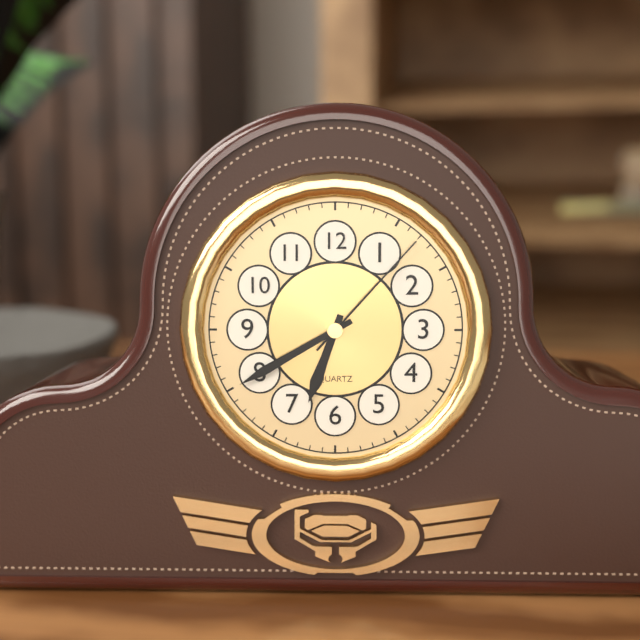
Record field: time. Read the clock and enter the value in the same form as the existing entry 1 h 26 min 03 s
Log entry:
6 h 40 min 07 s
